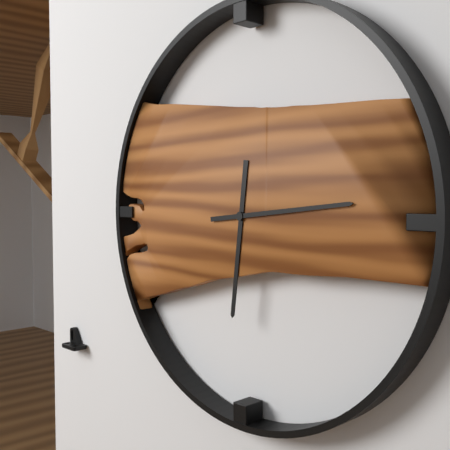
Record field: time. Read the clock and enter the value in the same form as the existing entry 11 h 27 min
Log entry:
6 h 14 min
